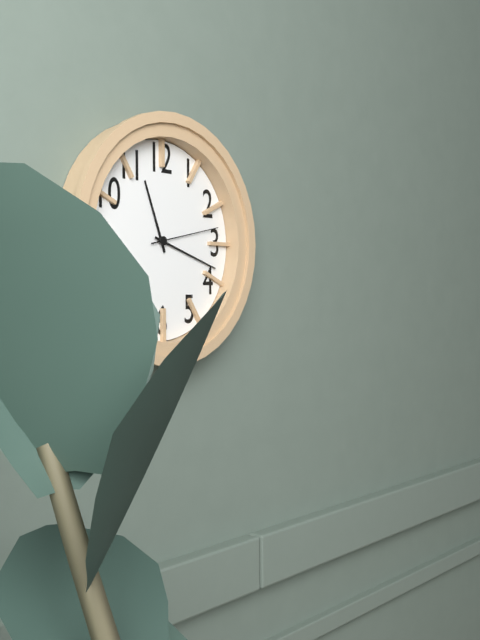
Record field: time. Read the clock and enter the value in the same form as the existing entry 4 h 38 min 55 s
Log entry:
11 h 18 min 13 s
